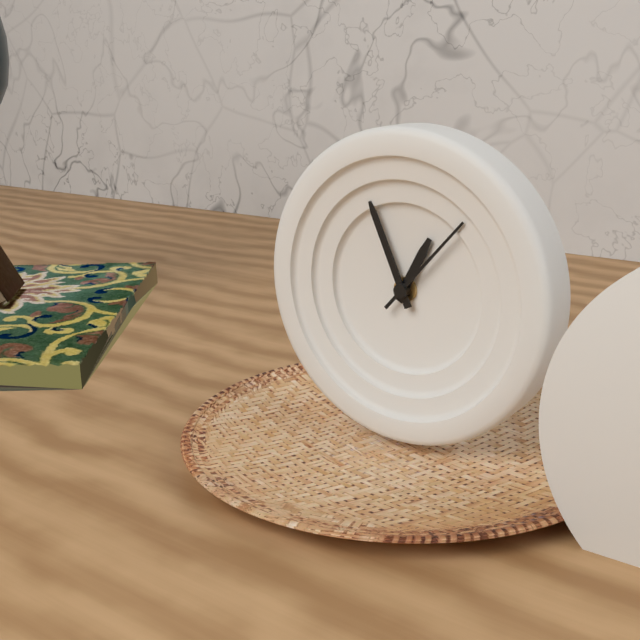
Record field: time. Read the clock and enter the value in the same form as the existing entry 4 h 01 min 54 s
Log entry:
12 h 56 min 07 s
